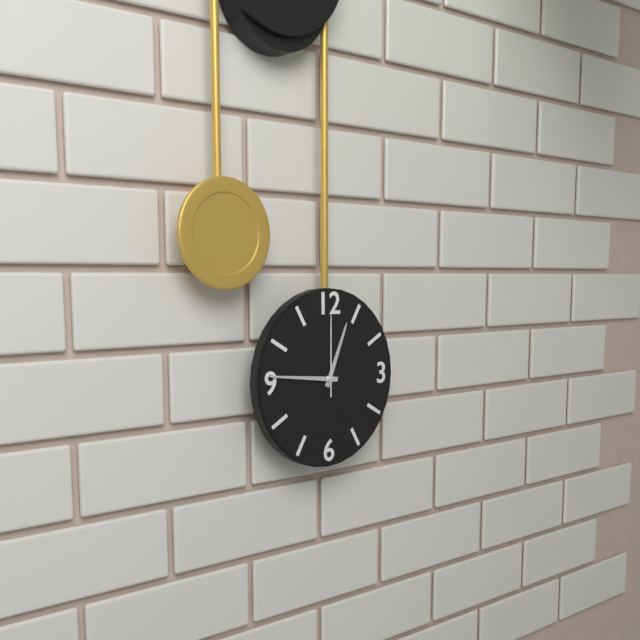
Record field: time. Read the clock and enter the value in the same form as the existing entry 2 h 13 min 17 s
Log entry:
12 h 46 min 00 s
